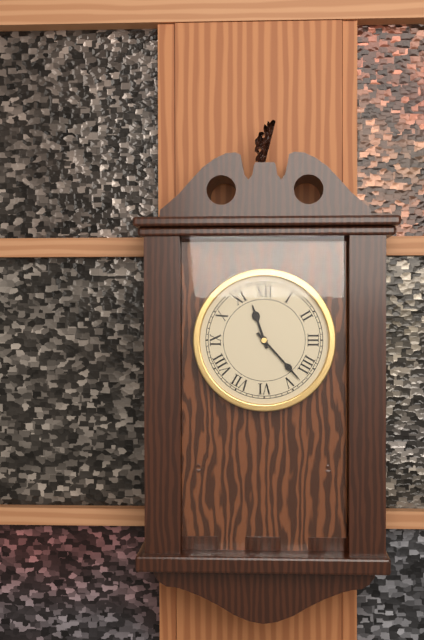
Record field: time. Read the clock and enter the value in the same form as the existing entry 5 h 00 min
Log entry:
11 h 23 min
